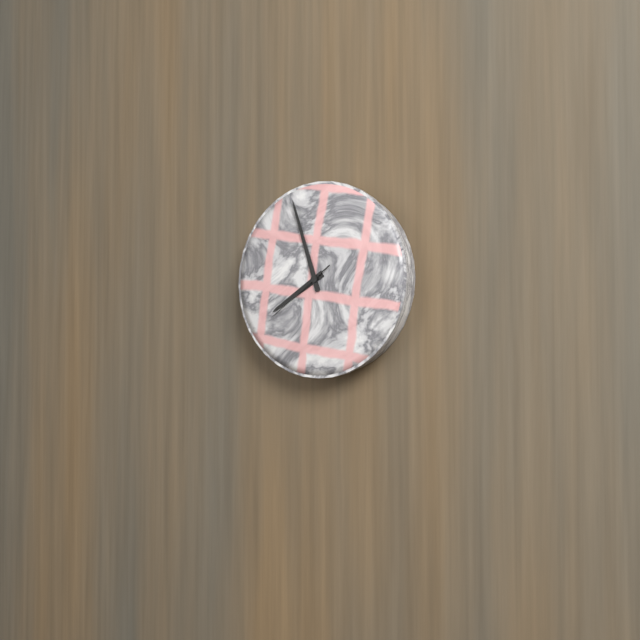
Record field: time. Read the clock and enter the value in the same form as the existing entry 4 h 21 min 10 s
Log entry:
7 h 57 min 39 s
